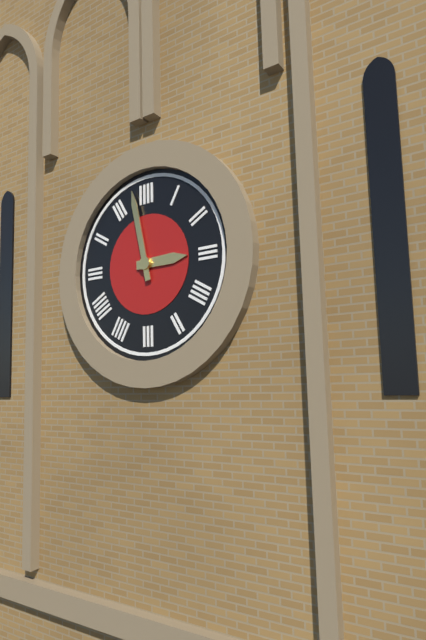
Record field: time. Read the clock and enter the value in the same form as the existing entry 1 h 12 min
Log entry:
2 h 58 min
